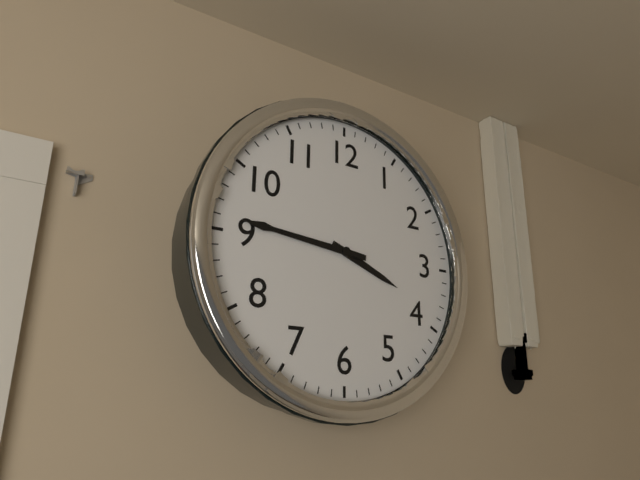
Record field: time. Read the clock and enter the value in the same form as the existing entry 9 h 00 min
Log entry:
3 h 46 min
